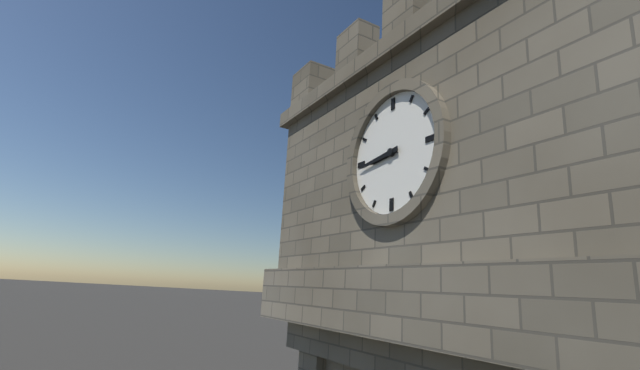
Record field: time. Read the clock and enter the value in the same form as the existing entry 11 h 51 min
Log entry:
8 h 44 min
